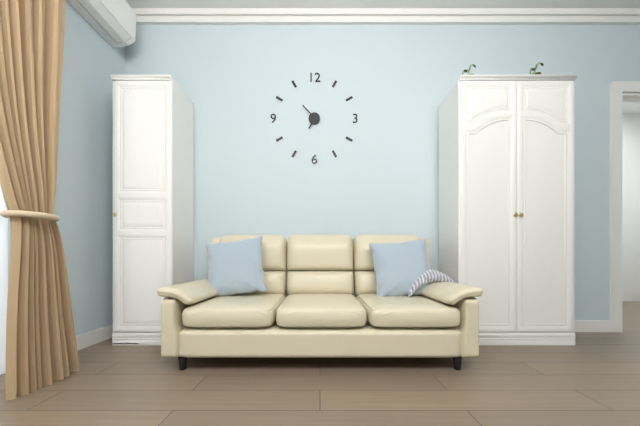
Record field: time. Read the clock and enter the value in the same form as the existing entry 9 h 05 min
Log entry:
6 h 53 min
